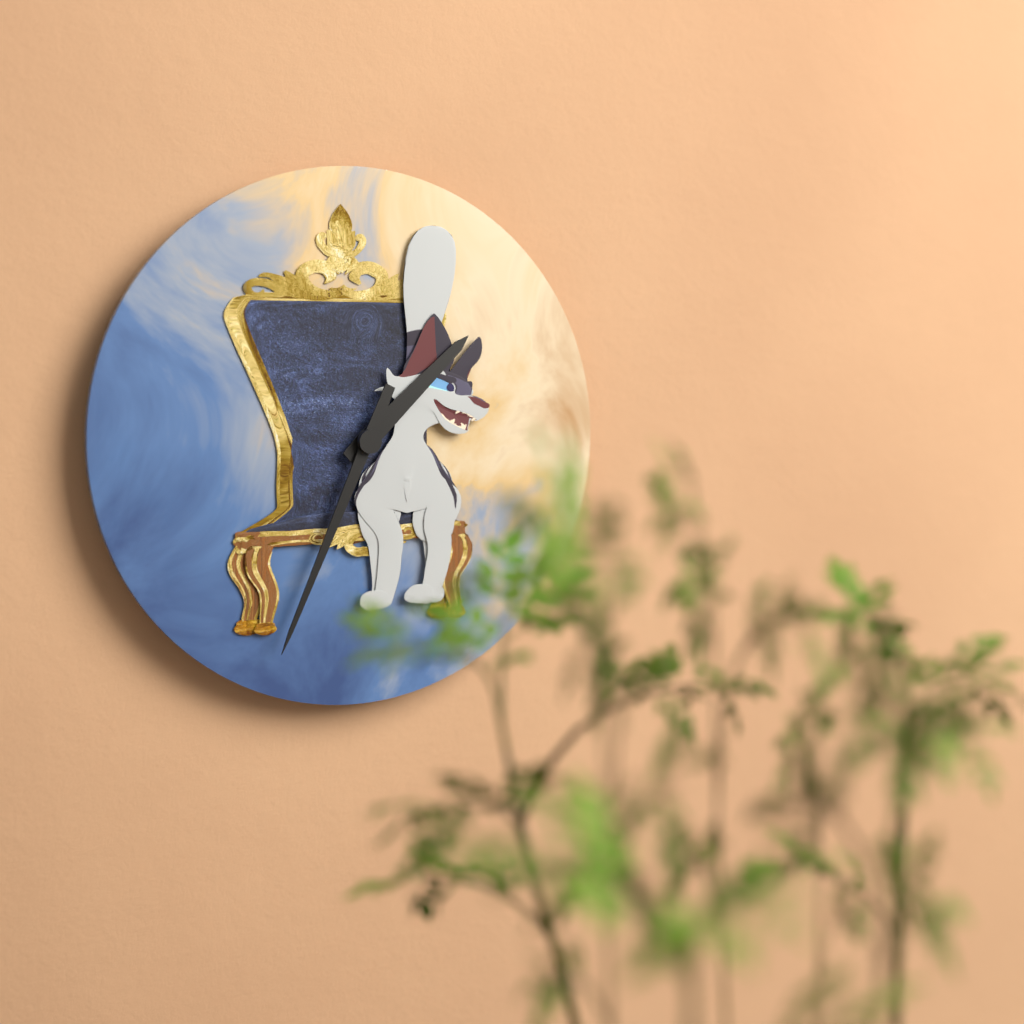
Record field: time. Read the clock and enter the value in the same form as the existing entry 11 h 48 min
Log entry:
1 h 34 min
